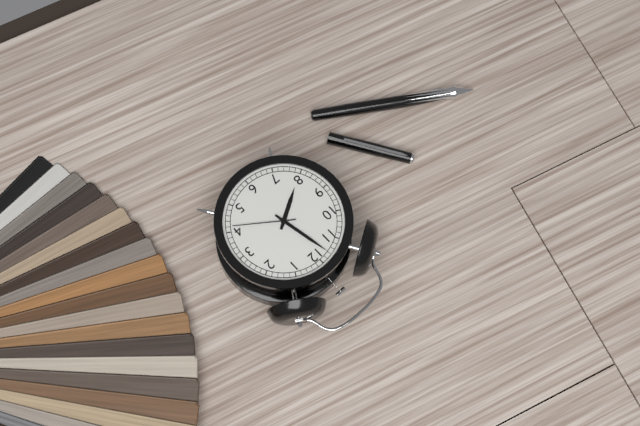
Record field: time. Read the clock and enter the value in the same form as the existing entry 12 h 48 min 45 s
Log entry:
7 h 58 min 21 s
